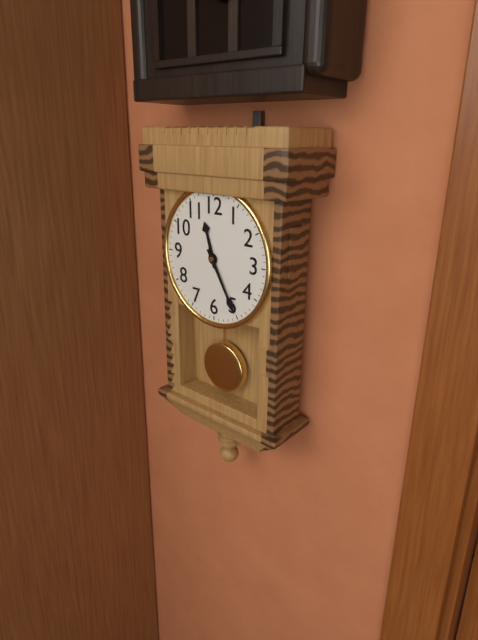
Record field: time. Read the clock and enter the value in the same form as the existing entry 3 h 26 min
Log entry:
11 h 25 min
